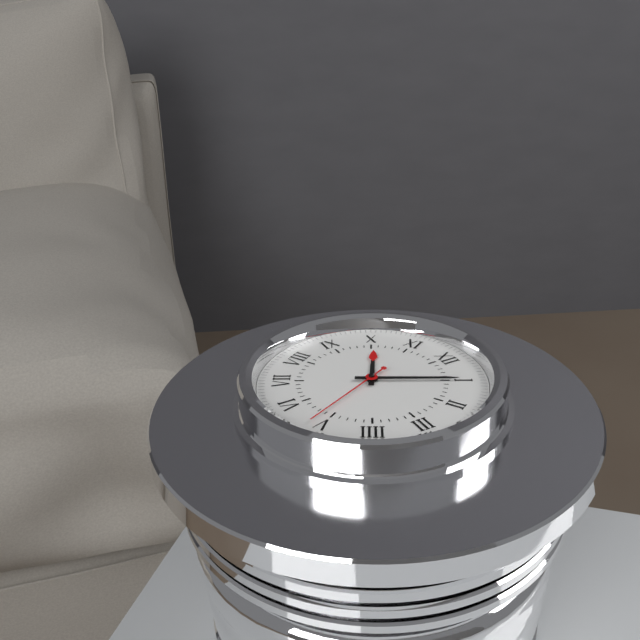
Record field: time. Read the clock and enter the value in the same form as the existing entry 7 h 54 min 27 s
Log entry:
10 h 05 min 26 s
